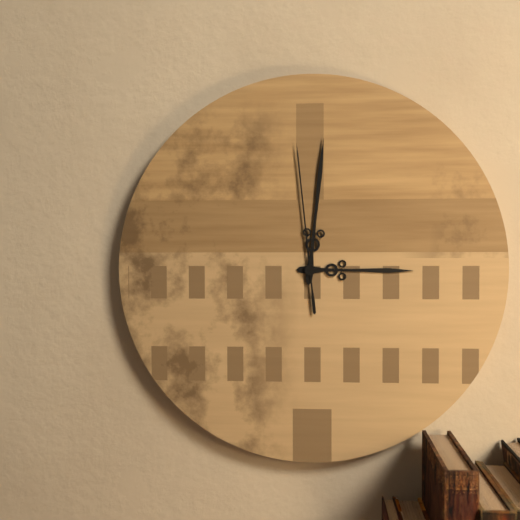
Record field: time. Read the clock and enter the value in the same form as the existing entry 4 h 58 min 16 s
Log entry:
3 h 01 min 59 s
